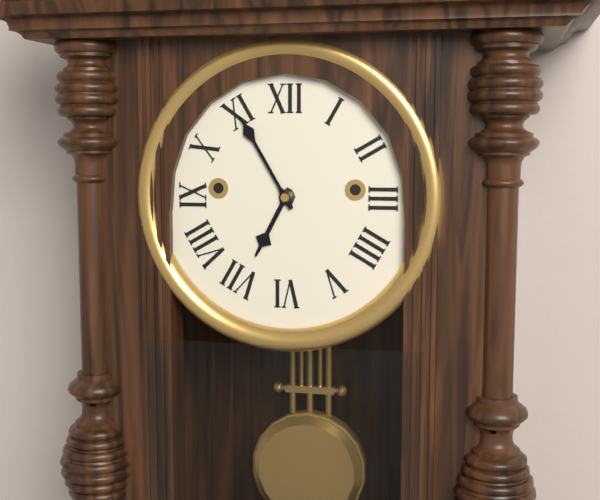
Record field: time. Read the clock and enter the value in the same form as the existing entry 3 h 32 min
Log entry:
6 h 55 min
